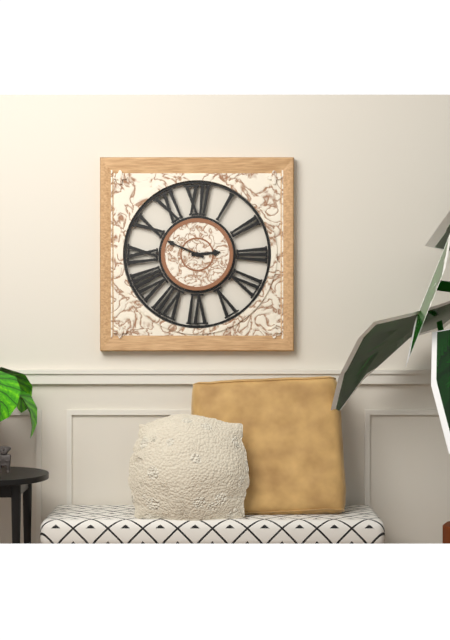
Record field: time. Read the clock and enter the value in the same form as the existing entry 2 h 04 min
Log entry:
2 h 49 min
